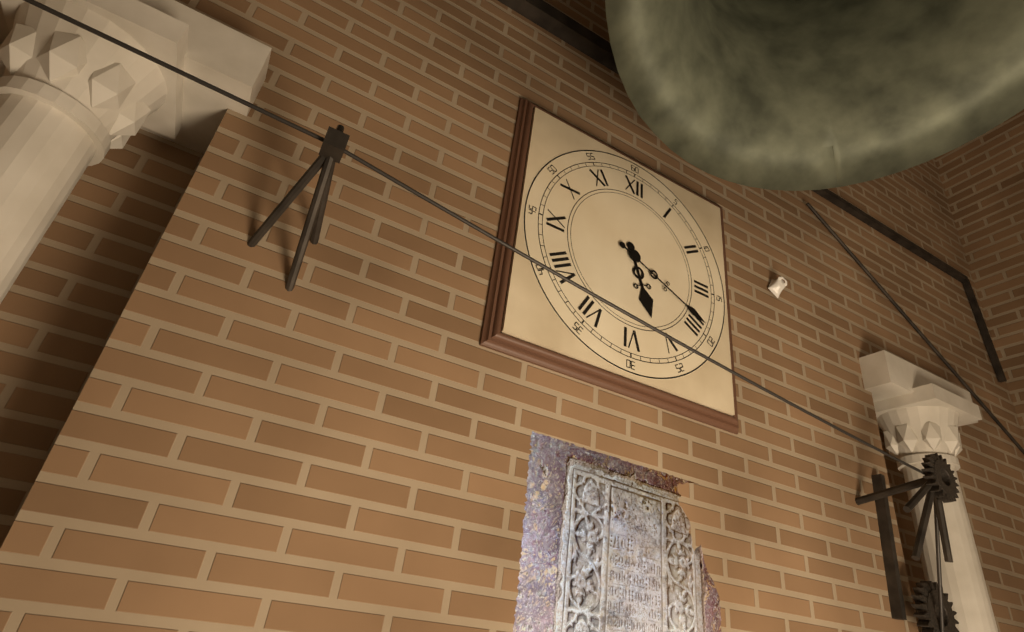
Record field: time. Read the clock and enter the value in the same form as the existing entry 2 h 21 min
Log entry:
5 h 19 min
